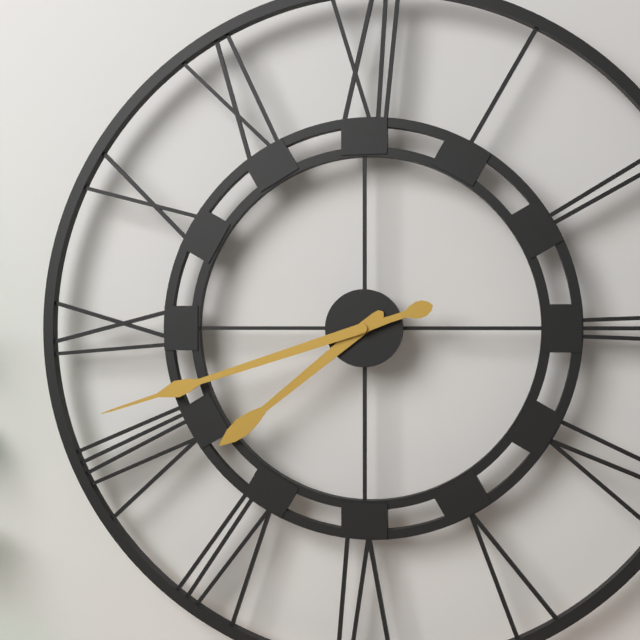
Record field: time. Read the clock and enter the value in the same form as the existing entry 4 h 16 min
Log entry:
7 h 42 min
